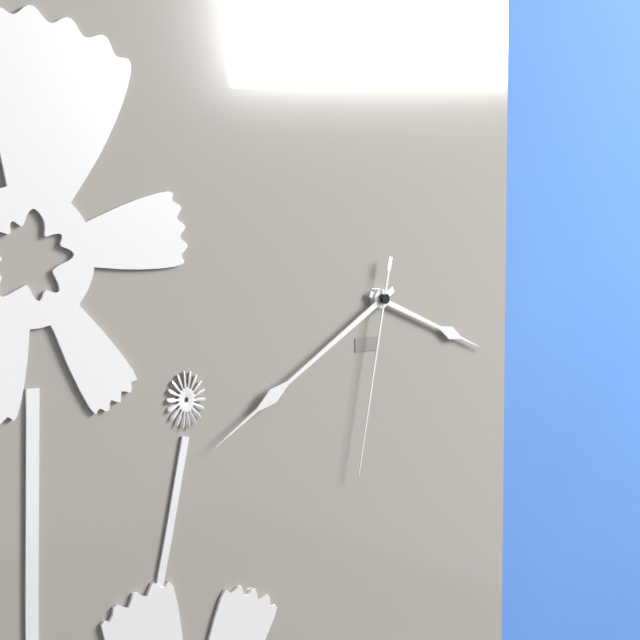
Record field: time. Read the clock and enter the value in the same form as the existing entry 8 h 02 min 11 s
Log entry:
3 h 40 min 32 s
